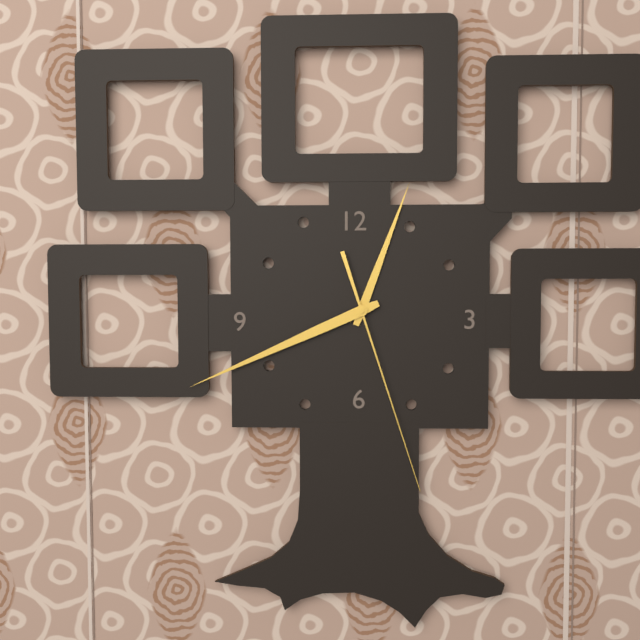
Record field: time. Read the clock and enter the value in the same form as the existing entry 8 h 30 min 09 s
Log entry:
12 h 41 min 27 s
